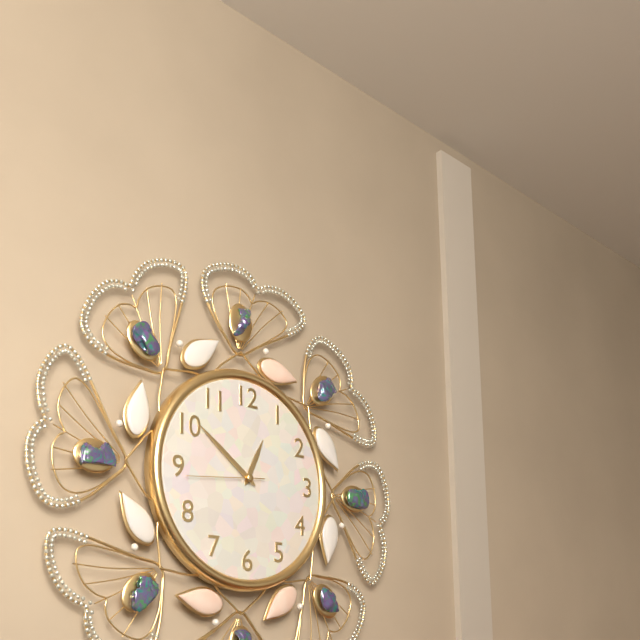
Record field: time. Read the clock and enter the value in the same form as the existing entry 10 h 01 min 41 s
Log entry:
12 h 51 min 44 s
